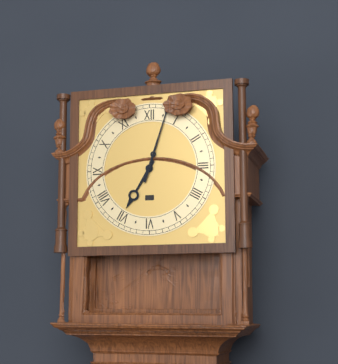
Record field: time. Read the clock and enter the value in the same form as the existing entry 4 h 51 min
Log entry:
7 h 03 min
